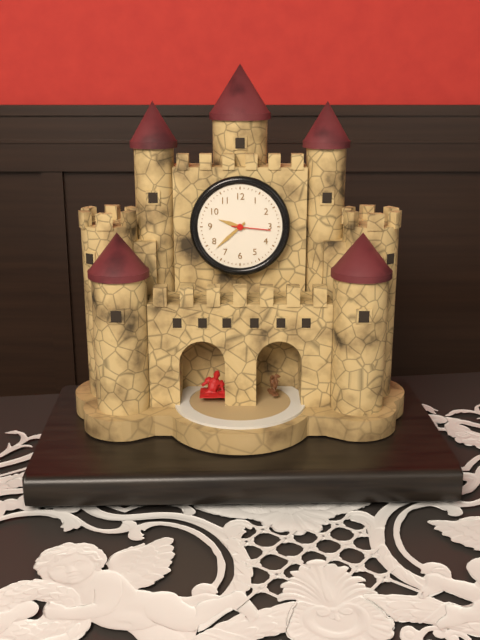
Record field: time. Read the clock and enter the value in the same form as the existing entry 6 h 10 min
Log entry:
9 h 38 min
